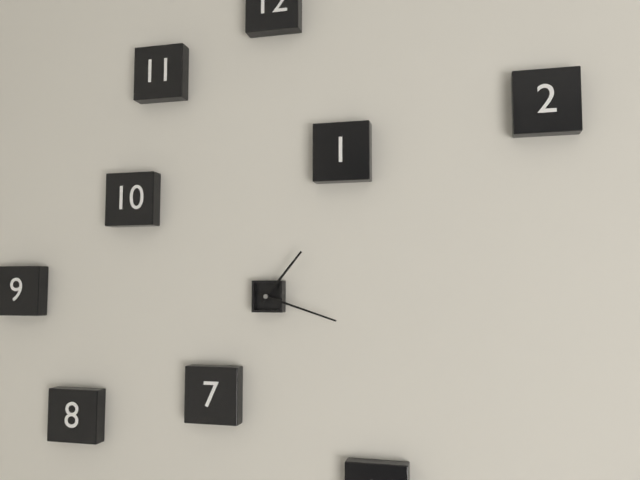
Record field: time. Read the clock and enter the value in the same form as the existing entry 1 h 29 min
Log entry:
1 h 18 min
